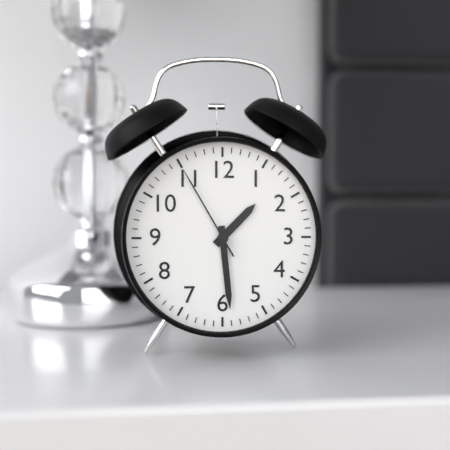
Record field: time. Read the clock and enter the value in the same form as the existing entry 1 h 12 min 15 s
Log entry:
1 h 29 min 55 s
